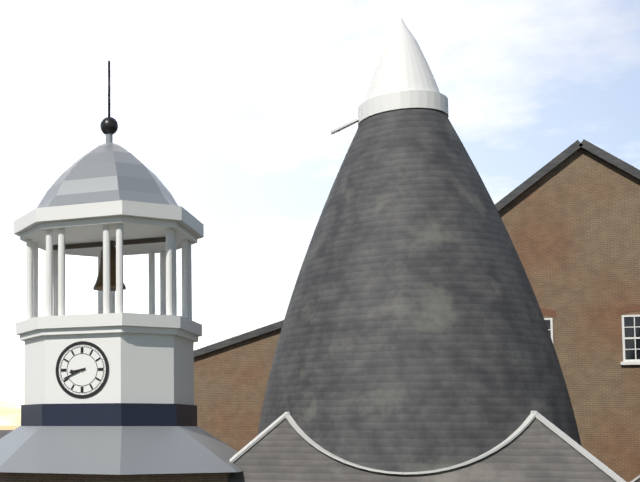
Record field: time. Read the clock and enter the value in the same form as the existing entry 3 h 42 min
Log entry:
8 h 41 min
